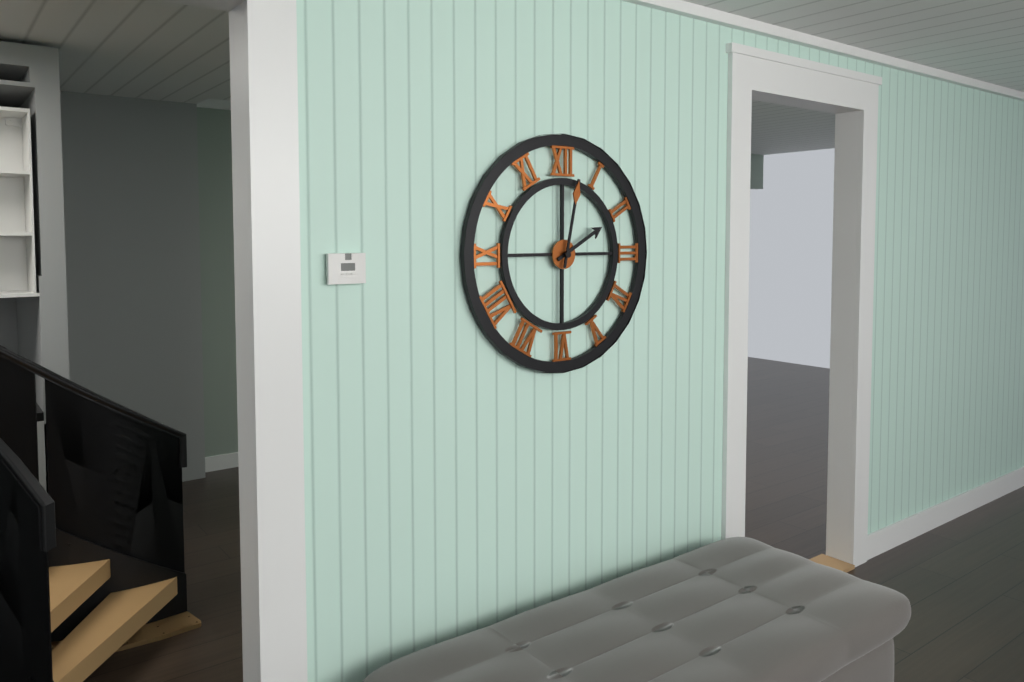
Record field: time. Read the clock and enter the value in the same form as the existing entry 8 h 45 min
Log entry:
2 h 02 min
